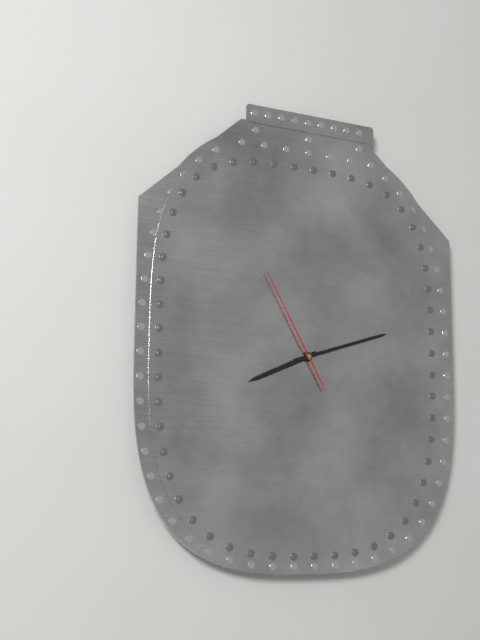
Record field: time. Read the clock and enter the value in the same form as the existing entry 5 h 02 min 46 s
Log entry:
8 h 12 min 55 s
